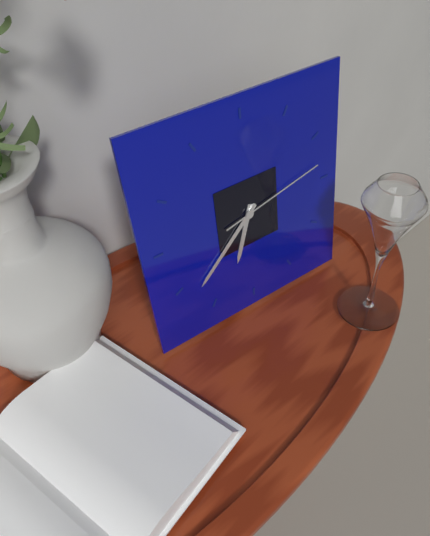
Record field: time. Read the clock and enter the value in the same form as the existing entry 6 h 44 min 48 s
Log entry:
6 h 38 min 13 s
